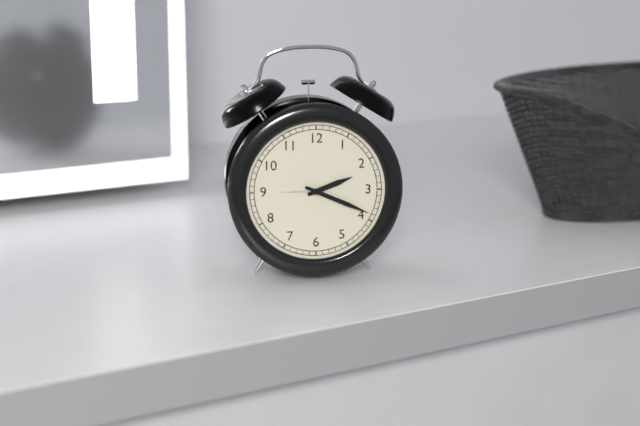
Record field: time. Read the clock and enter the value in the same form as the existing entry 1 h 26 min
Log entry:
2 h 19 min
